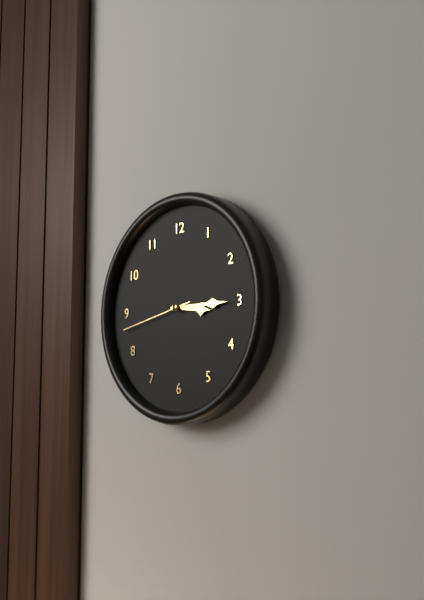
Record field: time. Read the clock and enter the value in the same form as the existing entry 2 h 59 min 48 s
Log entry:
3 h 15 min 43 s
